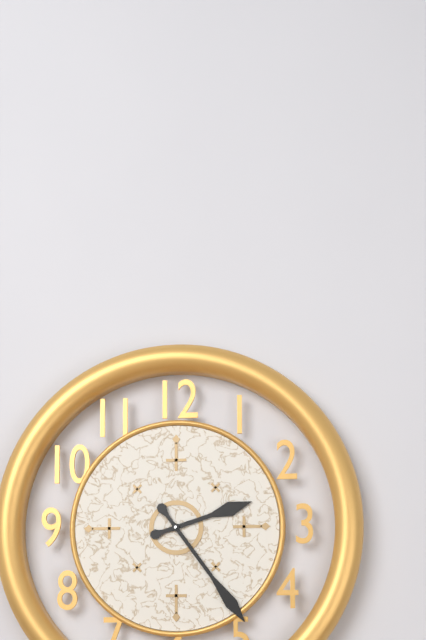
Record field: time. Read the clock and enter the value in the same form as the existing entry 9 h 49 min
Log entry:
2 h 24 min
